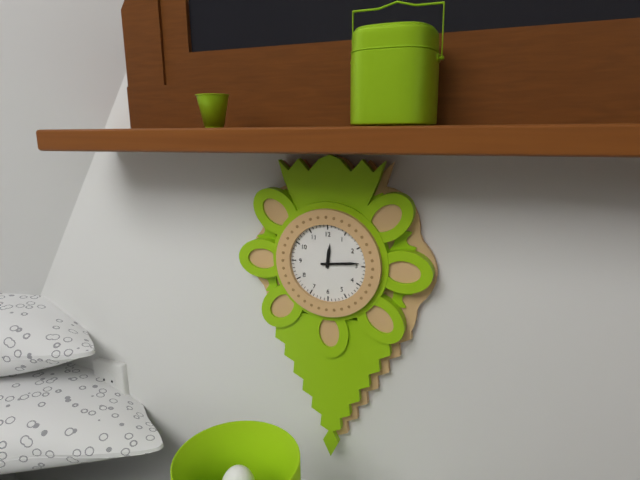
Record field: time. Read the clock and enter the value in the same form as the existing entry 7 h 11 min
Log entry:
12 h 14 min
